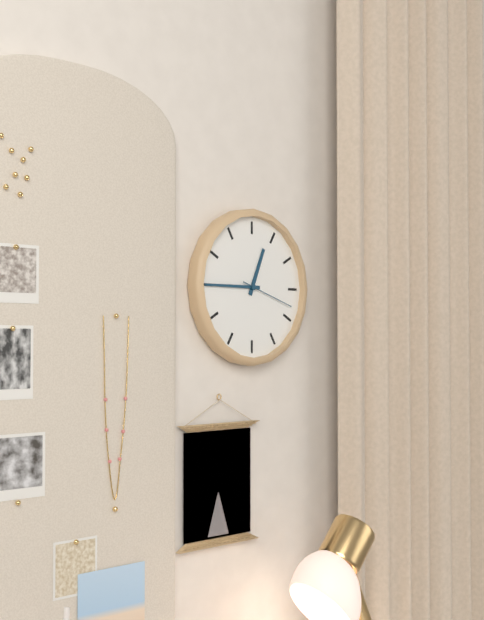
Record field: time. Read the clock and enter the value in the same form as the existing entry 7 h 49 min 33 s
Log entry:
12 h 45 min 18 s
